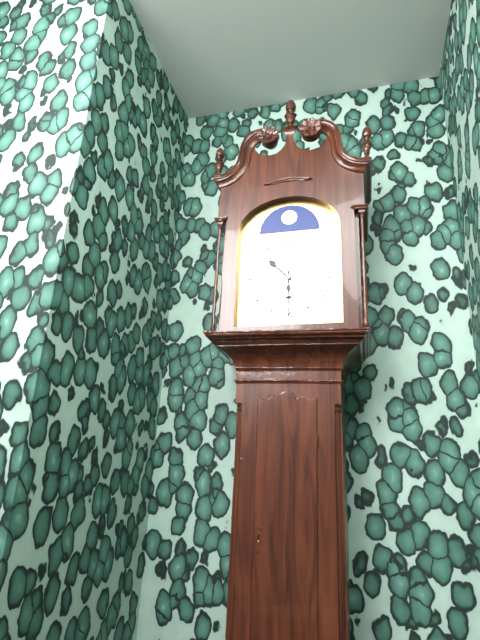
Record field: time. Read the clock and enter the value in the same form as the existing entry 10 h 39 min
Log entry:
10 h 30 min
